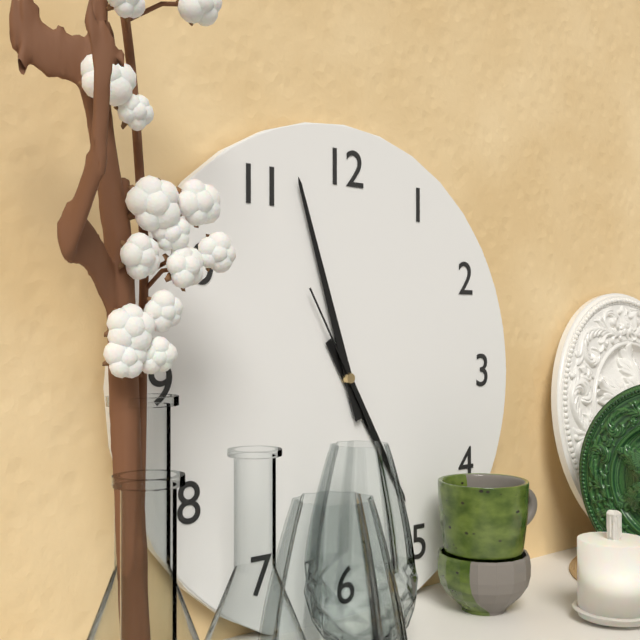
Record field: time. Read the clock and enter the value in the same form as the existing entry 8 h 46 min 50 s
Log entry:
4 h 57 min 55 s
